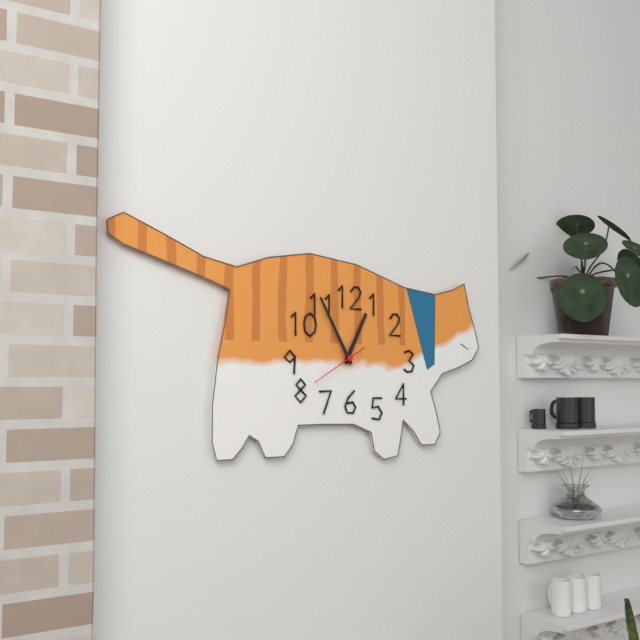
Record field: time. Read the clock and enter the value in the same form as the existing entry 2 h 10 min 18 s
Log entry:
12 h 55 min 40 s
